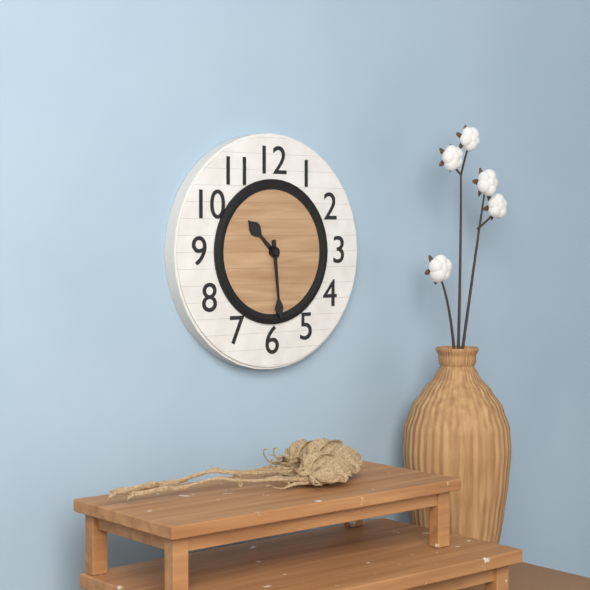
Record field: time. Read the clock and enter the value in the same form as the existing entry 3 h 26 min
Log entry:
10 h 29 min
